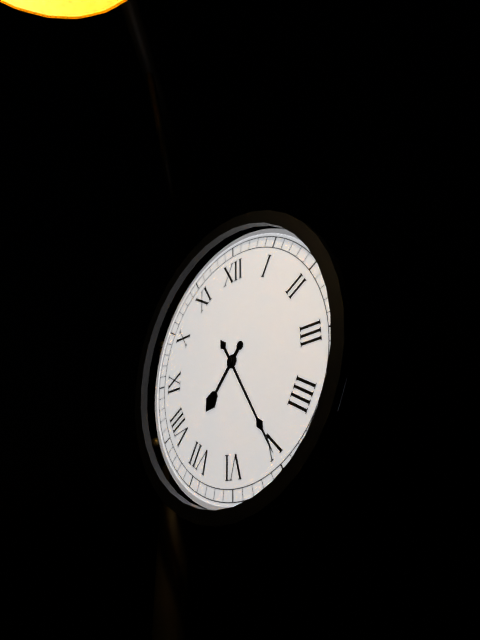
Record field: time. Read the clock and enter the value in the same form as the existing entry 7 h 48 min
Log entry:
7 h 25 min
